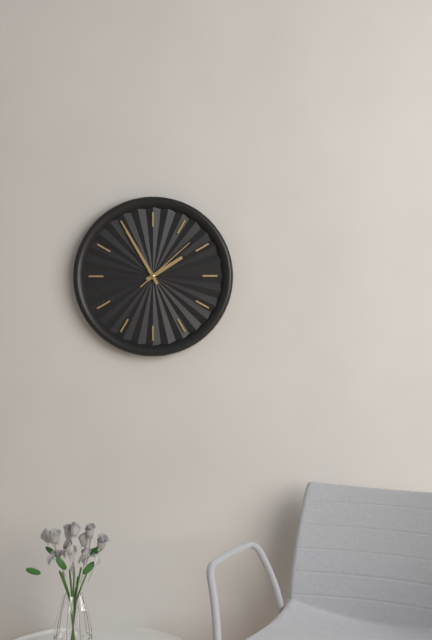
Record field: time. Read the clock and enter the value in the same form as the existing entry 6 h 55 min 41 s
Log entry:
1 h 55 min 08 s
